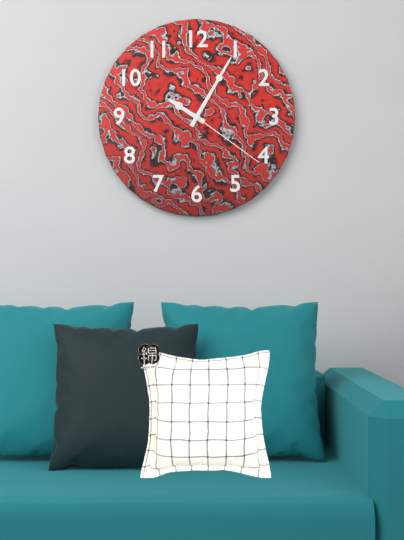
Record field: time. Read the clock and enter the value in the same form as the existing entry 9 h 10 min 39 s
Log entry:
10 h 05 min 21 s
